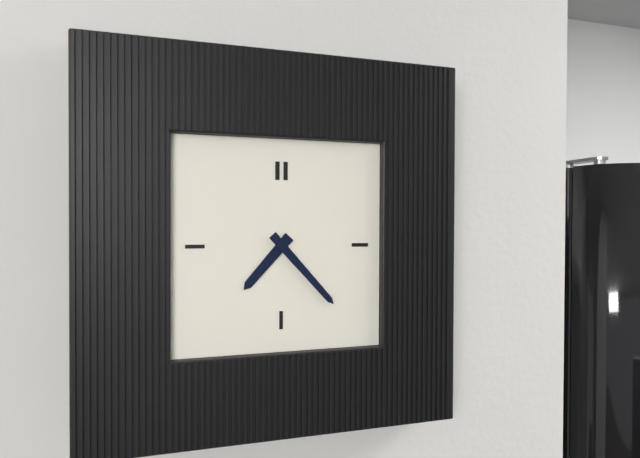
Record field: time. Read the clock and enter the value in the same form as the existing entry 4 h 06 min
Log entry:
7 h 23 min
